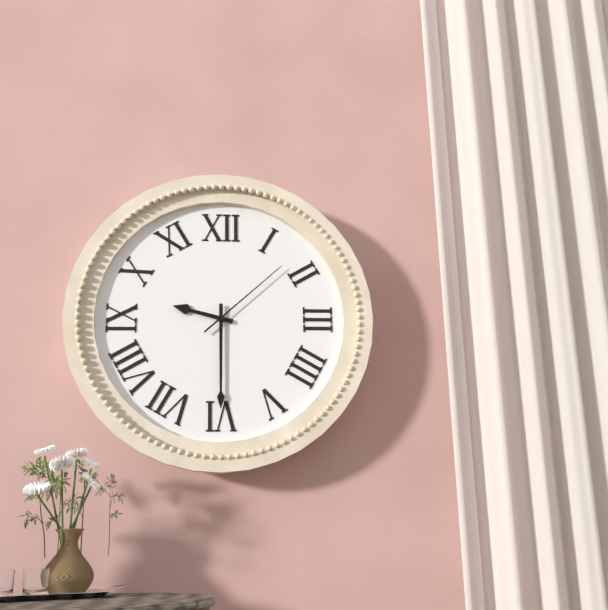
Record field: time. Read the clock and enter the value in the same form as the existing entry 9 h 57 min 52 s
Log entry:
9 h 30 min 08 s
